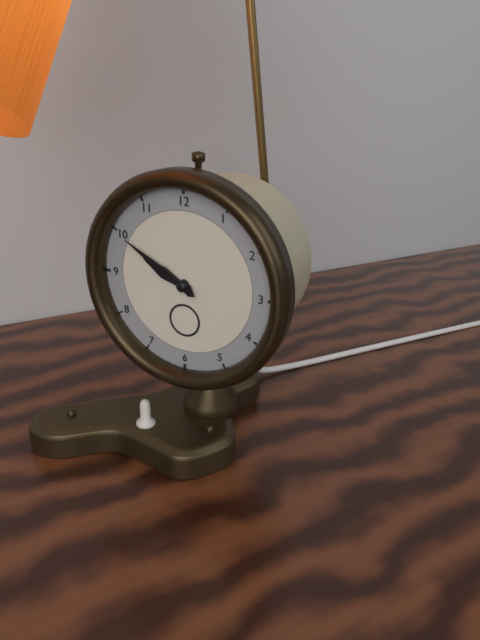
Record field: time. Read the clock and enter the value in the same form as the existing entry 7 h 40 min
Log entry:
9 h 50 min
